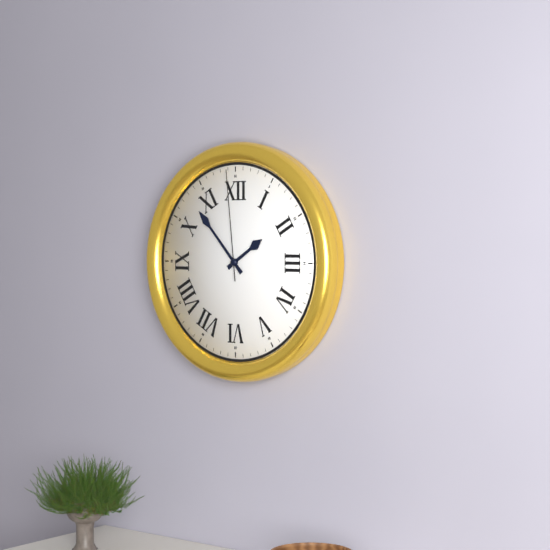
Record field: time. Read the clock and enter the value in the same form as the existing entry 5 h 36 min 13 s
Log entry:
1 h 53 min 59 s
